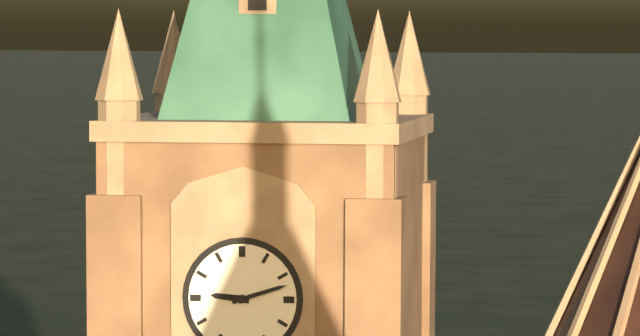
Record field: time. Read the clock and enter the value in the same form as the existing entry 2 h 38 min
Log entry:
9 h 12 min
